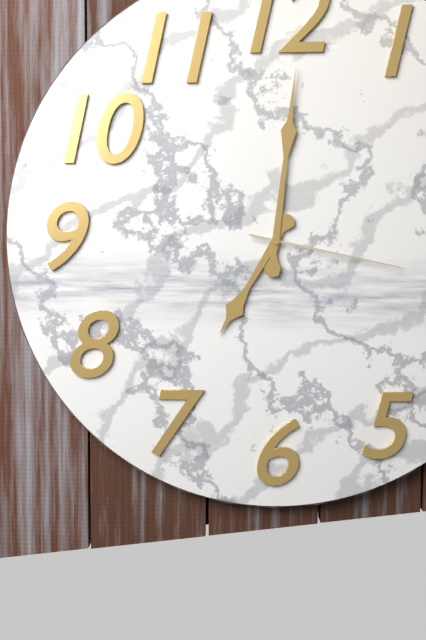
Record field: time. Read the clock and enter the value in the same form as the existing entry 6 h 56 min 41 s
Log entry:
7 h 01 min 17 s
